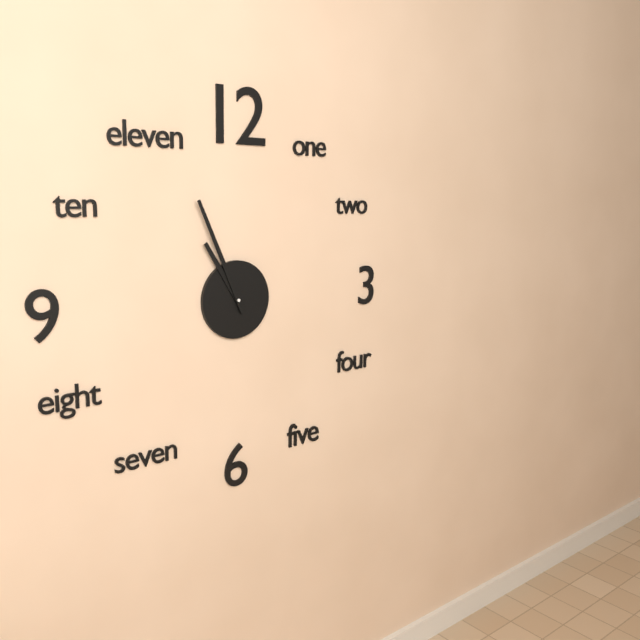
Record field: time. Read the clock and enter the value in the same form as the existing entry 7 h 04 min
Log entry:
10 h 56 min
